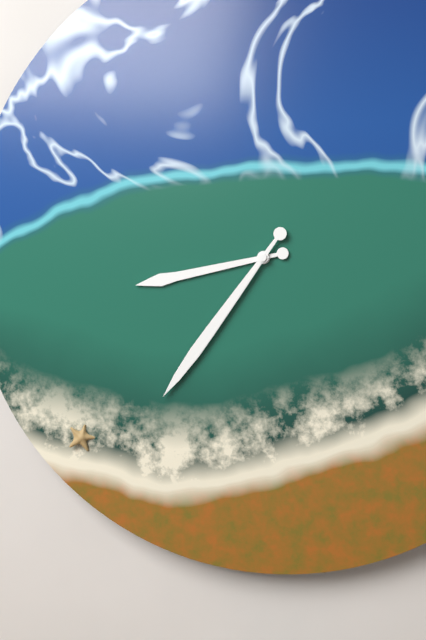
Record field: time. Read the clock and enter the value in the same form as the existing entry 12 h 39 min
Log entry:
8 h 36 min
